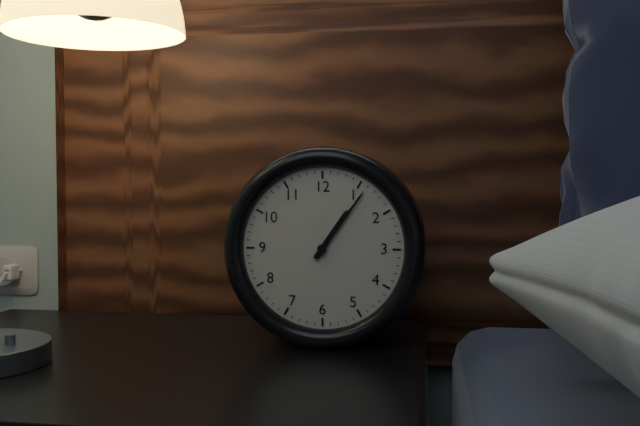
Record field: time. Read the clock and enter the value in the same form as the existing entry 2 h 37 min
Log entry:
1 h 06 min
